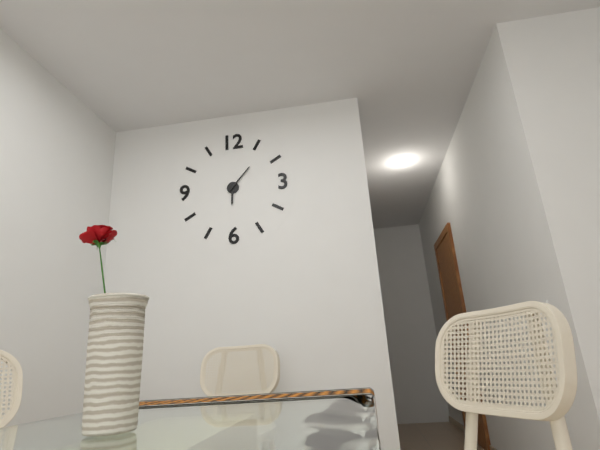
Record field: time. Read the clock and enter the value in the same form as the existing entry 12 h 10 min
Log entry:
6 h 07 min
